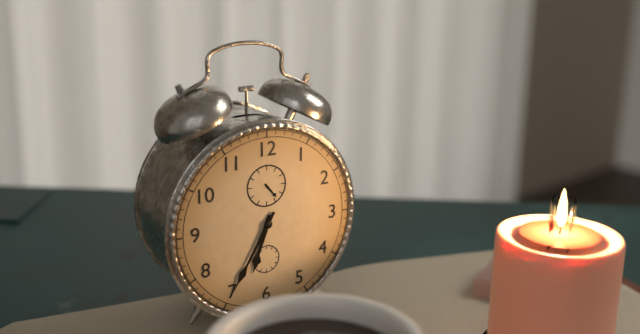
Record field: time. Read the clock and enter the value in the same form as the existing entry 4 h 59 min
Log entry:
6 h 35 min
